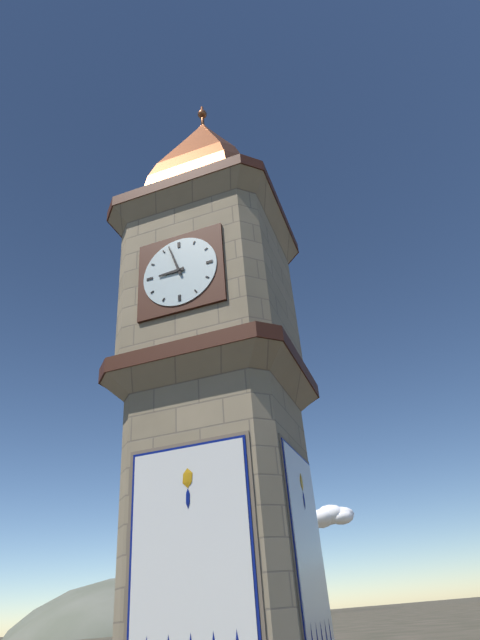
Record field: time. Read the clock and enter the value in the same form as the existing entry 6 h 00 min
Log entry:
8 h 57 min
